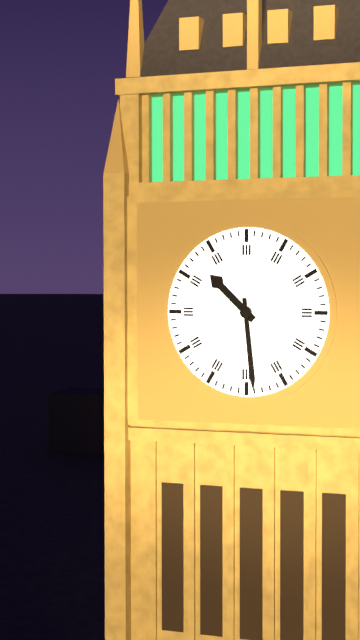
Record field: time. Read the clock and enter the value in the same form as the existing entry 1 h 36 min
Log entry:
10 h 29 min
